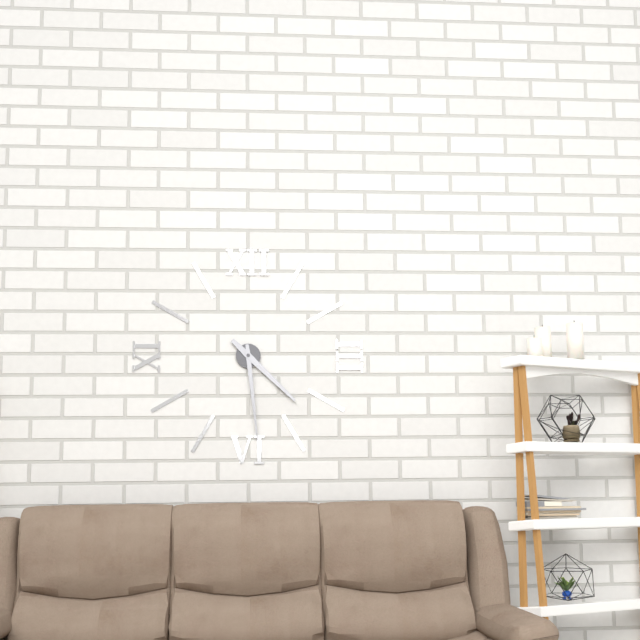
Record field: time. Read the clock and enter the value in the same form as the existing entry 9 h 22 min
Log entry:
4 h 29 min
